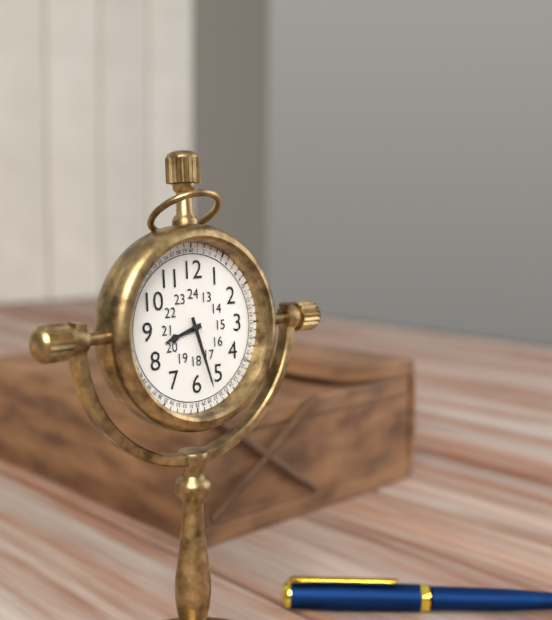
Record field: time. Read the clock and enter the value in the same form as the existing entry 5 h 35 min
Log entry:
8 h 27 min
